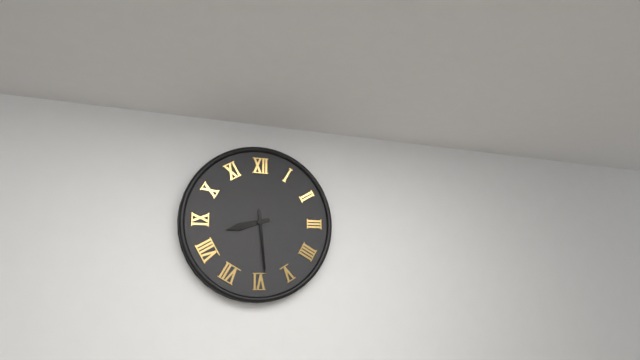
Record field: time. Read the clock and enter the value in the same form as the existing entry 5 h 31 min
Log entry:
8 h 29 min
